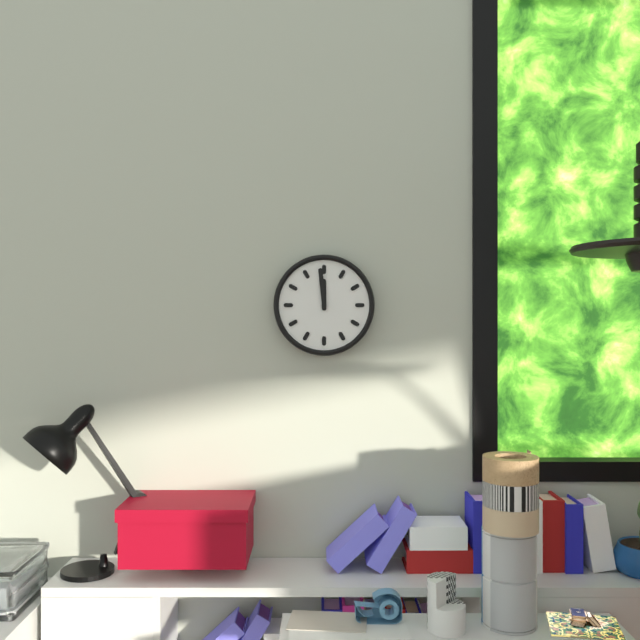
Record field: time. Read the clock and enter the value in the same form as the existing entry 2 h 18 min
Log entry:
11 h 59 min
